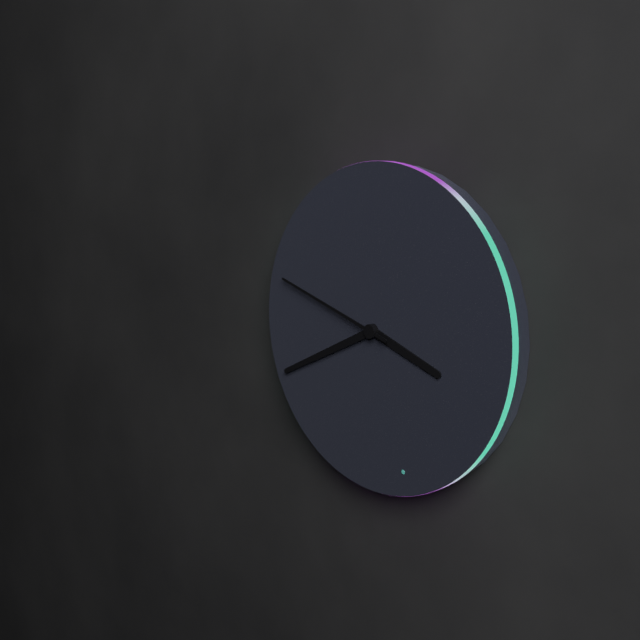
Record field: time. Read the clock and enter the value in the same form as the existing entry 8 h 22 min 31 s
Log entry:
3 h 41 min 48 s
